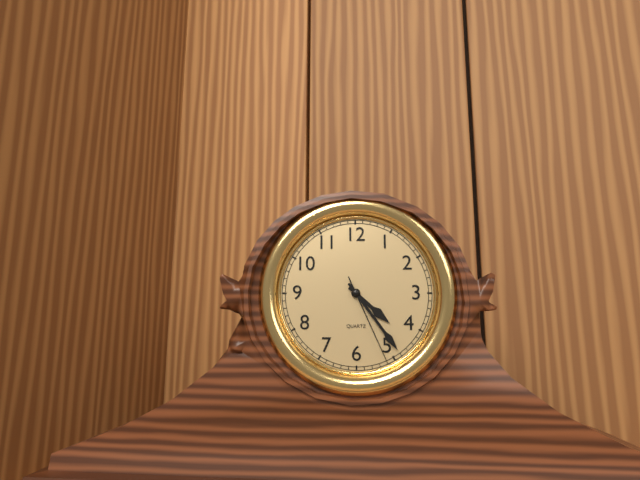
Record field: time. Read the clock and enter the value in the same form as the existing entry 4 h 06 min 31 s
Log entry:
4 h 24 min 26 s
